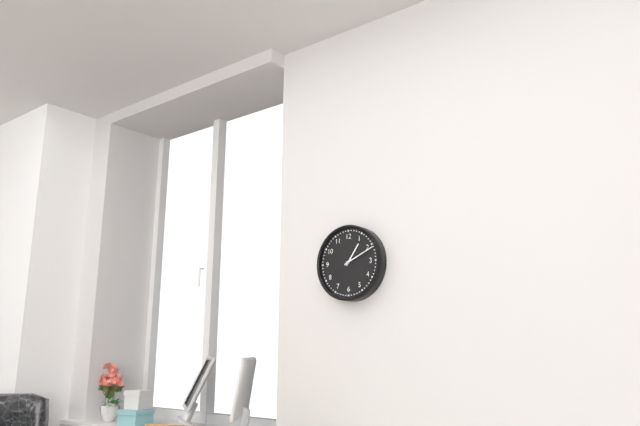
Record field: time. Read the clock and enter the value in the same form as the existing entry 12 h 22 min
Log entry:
1 h 11 min
